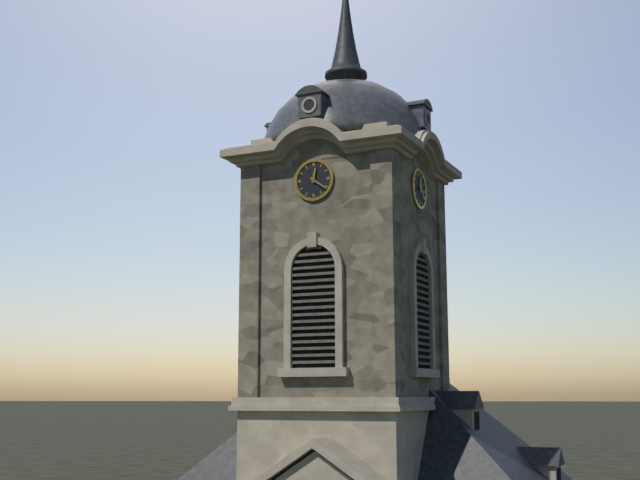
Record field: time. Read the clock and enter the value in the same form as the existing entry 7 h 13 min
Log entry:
12 h 21 min
